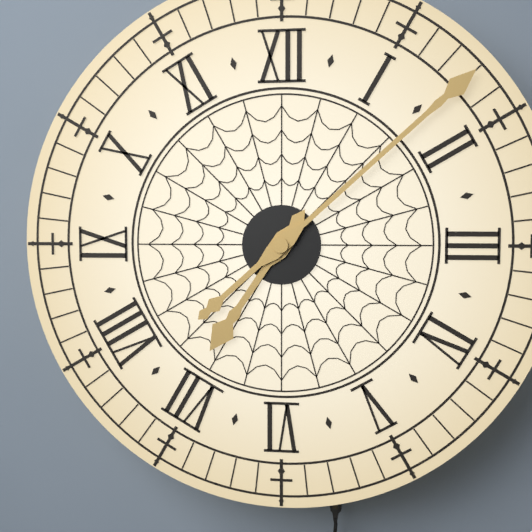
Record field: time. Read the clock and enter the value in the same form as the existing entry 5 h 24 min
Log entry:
7 h 08 min
